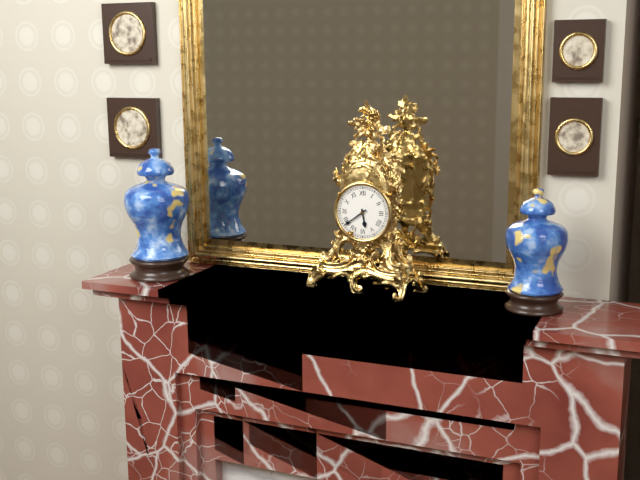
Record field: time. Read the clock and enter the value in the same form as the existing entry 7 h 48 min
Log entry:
5 h 39 min
